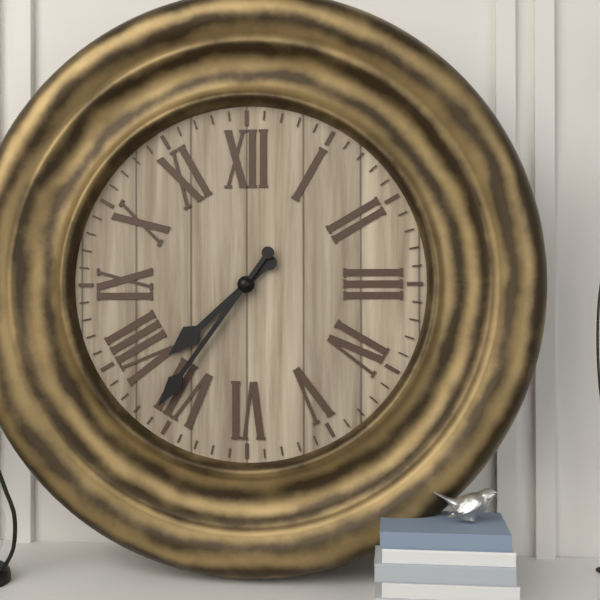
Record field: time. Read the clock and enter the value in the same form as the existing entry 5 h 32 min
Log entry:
7 h 36 min
